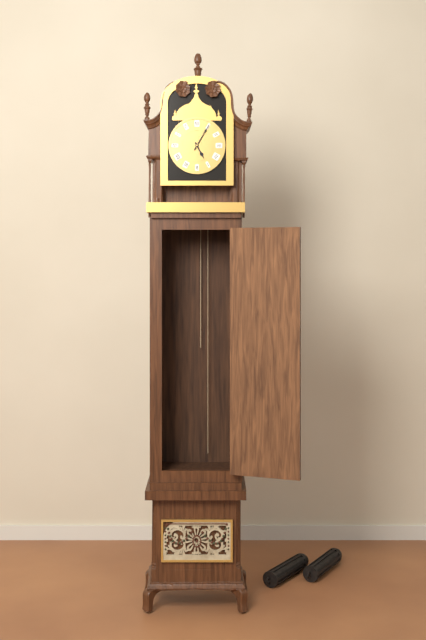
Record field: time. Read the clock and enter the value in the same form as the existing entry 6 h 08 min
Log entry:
5 h 05 min
